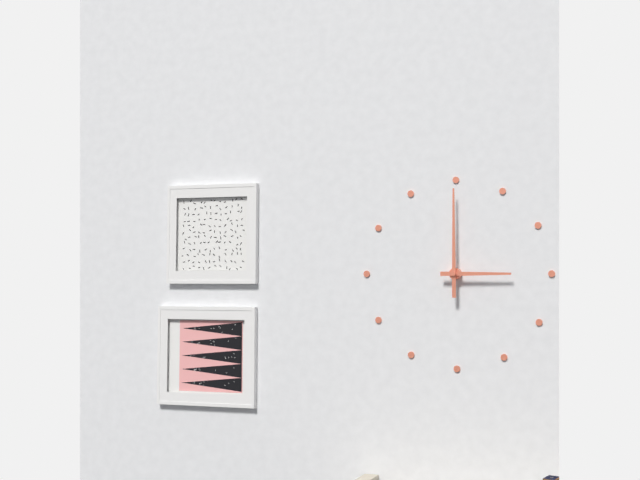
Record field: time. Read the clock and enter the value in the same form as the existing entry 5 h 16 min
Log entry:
3 h 00 min
